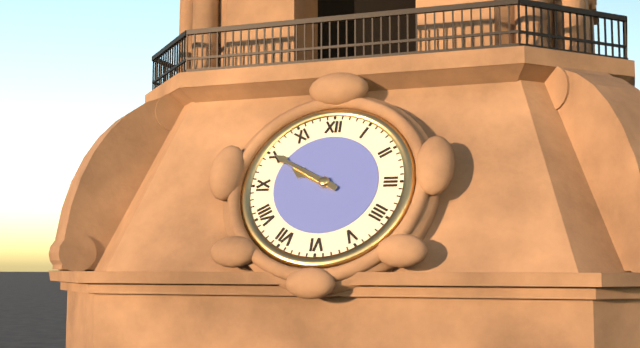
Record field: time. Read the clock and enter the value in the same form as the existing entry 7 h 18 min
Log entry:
9 h 50 min
